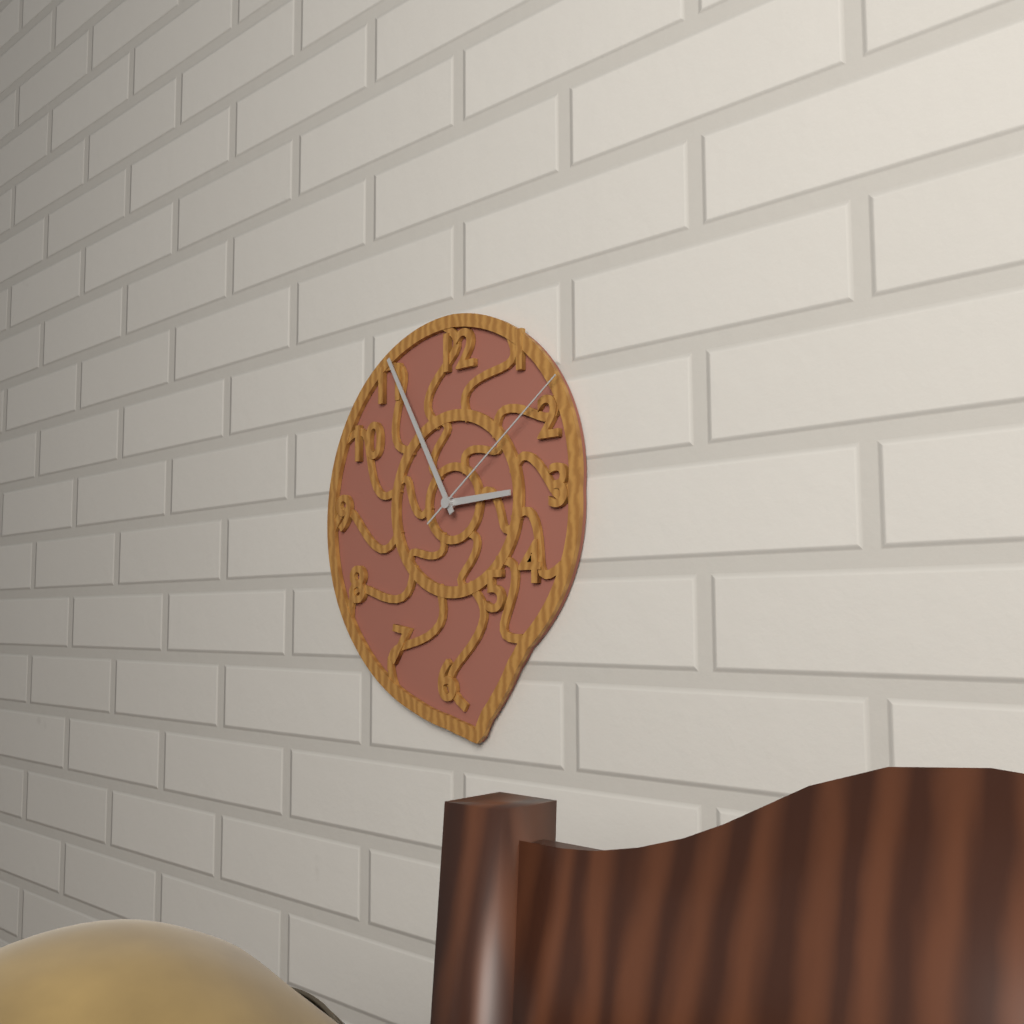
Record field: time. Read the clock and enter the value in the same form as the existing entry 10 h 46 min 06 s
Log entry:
2 h 55 min 09 s
